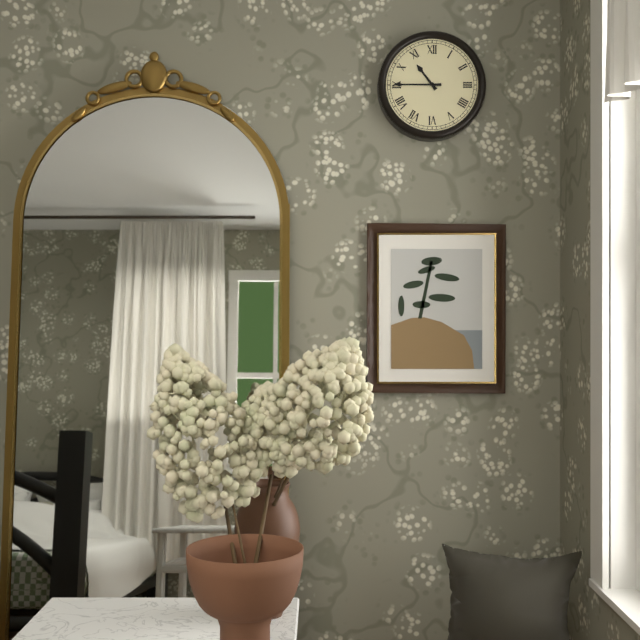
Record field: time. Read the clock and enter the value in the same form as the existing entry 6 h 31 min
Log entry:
10 h 45 min
